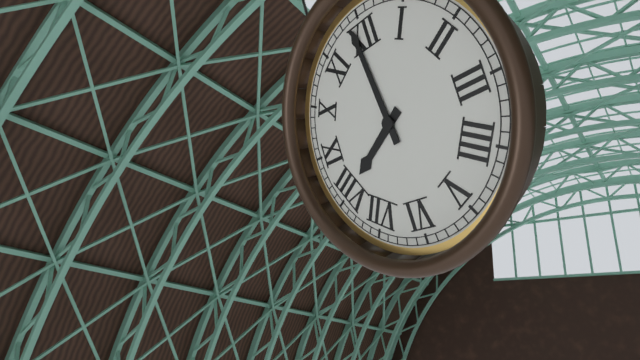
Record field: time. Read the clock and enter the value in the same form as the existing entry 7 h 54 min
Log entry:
7 h 59 min
